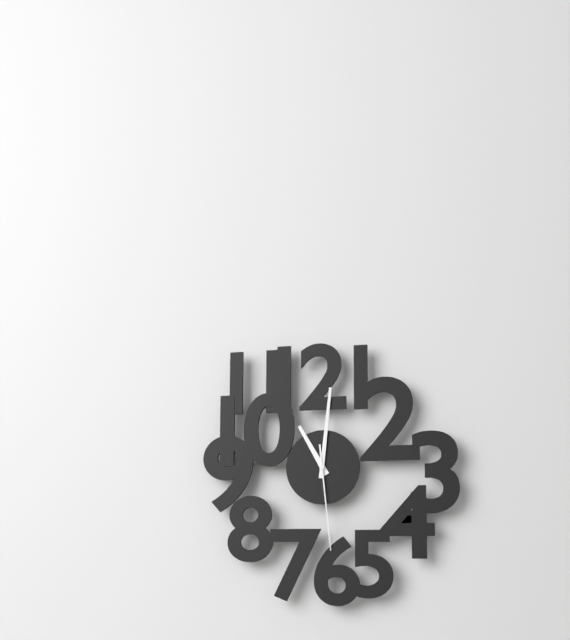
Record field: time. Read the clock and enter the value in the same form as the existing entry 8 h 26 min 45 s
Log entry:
11 h 01 min 29 s
